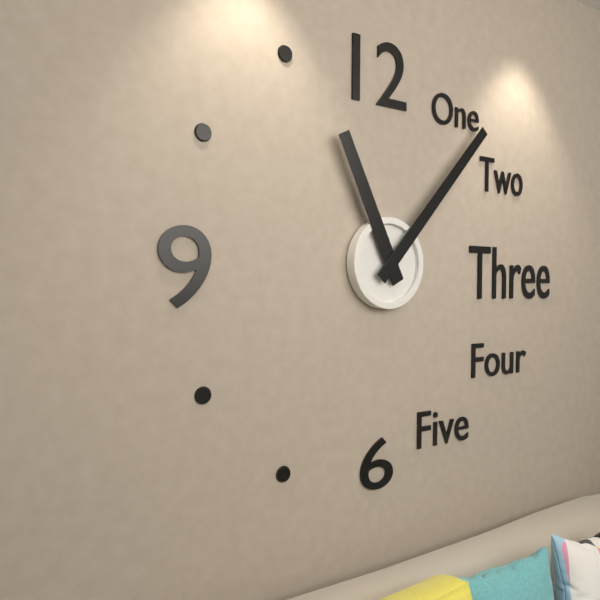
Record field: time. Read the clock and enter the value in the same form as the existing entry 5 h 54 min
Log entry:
11 h 07 min
